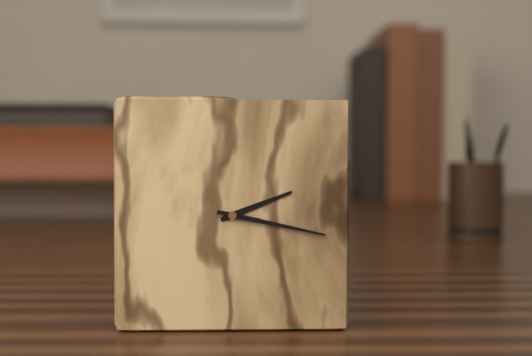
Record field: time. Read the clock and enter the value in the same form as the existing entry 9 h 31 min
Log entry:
2 h 17 min
